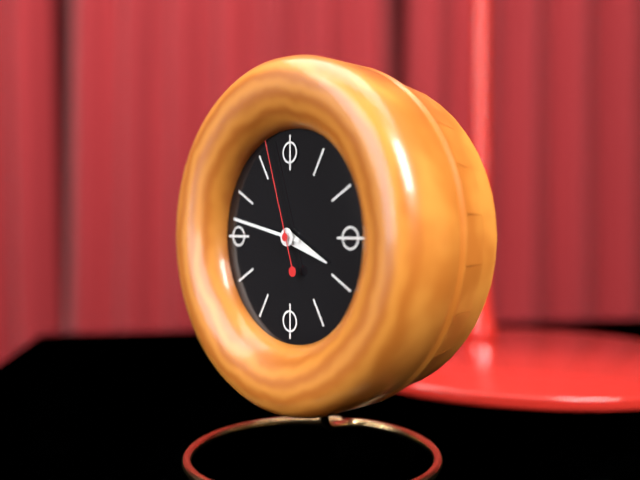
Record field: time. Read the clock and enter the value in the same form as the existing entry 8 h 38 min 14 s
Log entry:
3 h 47 min 57 s
